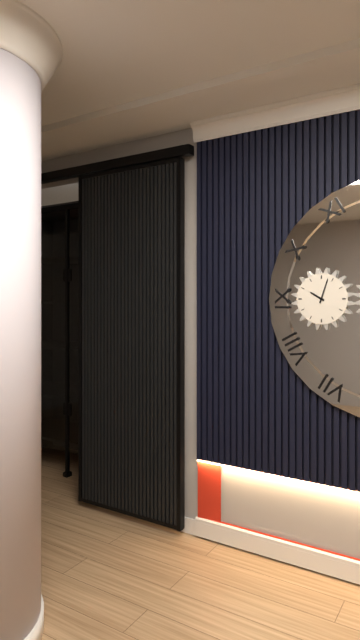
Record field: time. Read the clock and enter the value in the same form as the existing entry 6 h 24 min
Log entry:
10 h 03 min
